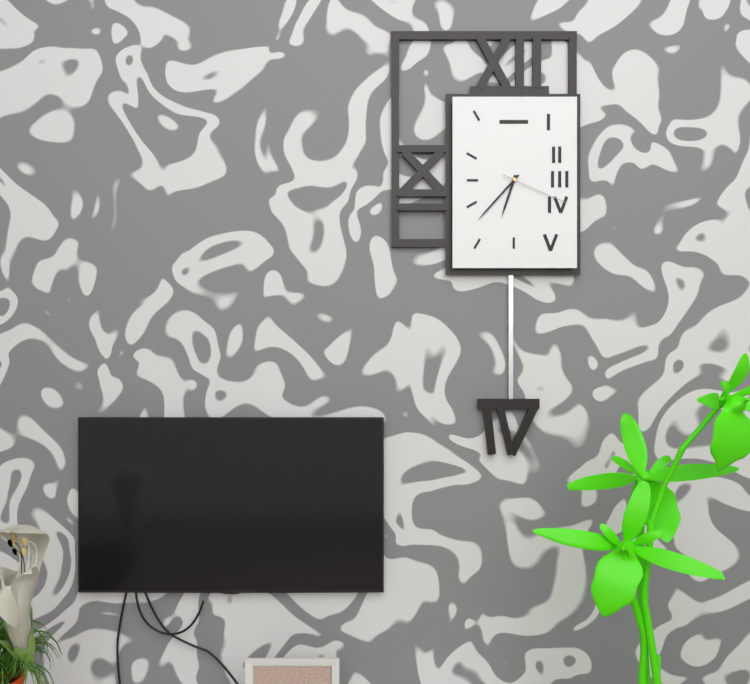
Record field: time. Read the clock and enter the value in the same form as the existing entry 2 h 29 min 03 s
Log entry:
6 h 37 min 19 s
